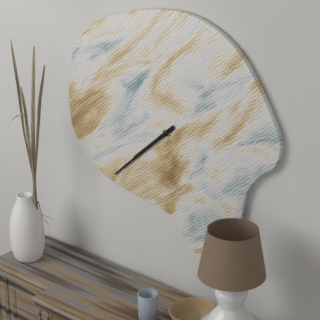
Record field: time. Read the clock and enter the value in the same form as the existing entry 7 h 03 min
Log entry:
7 h 38 min
